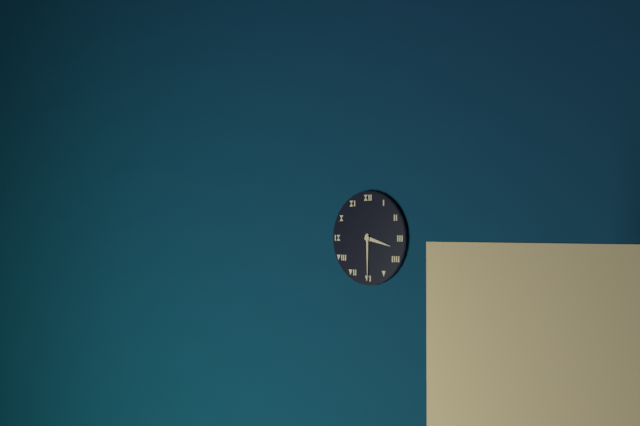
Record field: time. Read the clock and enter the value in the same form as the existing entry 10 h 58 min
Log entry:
3 h 30 min
